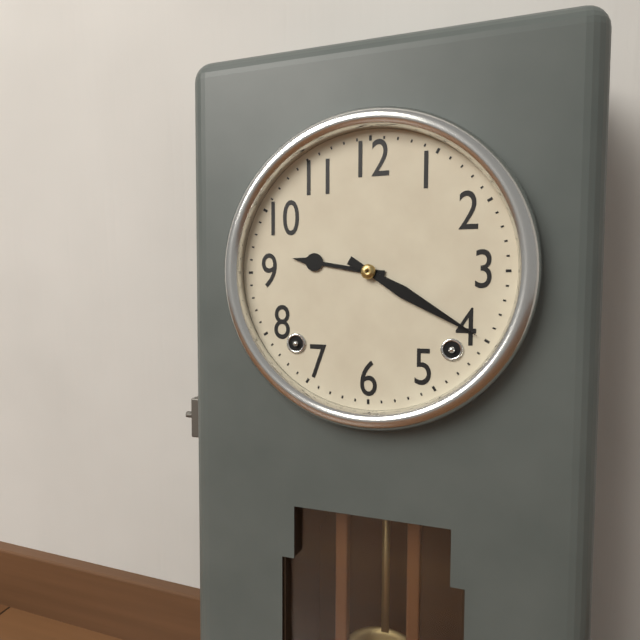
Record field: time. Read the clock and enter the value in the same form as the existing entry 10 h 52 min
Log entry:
9 h 20 min
